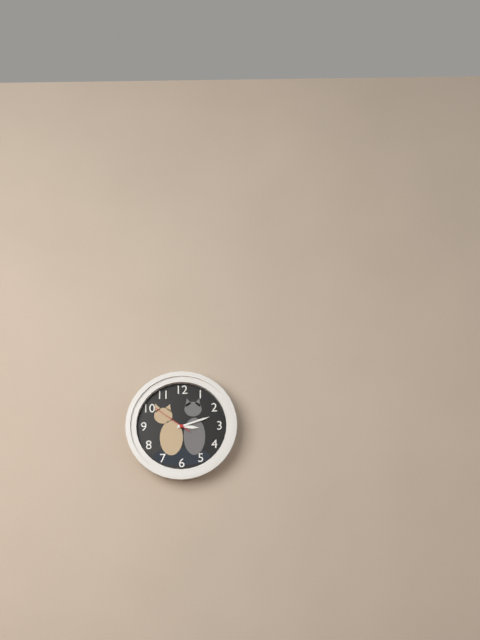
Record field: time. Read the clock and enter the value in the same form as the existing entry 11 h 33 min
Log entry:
3 h 12 min
